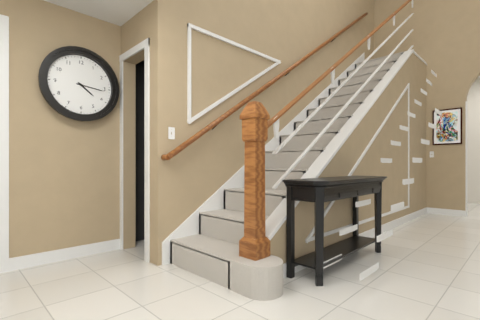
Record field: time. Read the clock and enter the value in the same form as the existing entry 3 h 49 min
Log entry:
4 h 16 min
